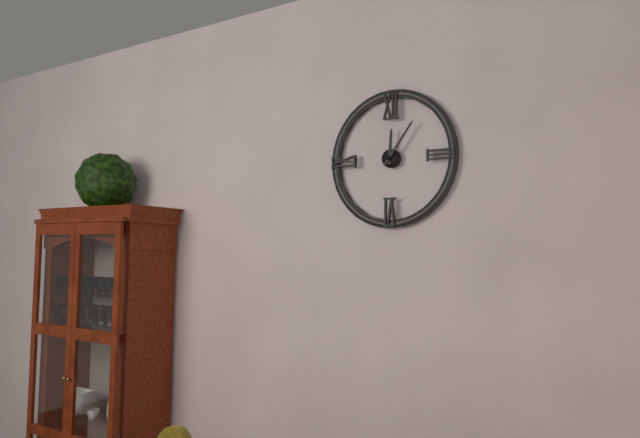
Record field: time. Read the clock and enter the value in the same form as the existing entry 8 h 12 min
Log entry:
12 h 06 min
